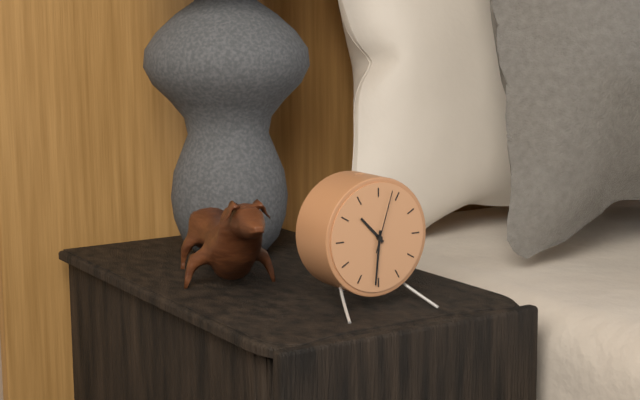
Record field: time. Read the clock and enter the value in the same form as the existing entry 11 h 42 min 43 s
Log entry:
10 h 31 min 03 s
